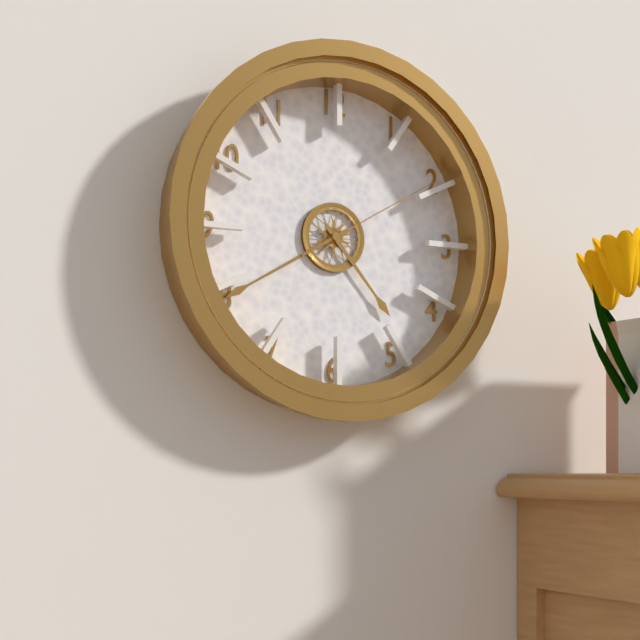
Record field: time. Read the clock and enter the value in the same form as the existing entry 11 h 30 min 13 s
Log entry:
4 h 40 min 10 s
